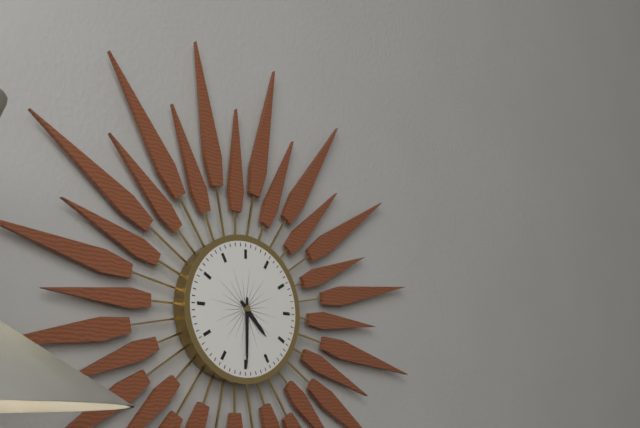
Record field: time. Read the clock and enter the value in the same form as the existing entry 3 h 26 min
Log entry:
4 h 30 min
